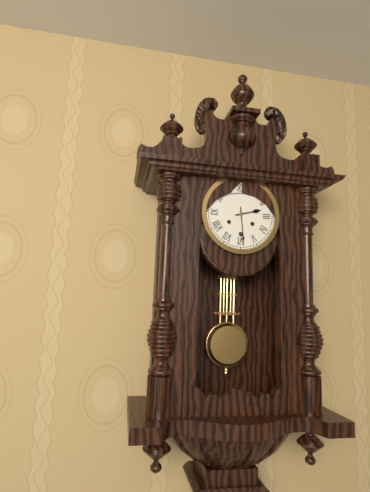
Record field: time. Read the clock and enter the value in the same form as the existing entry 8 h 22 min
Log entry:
2 h 29 min
